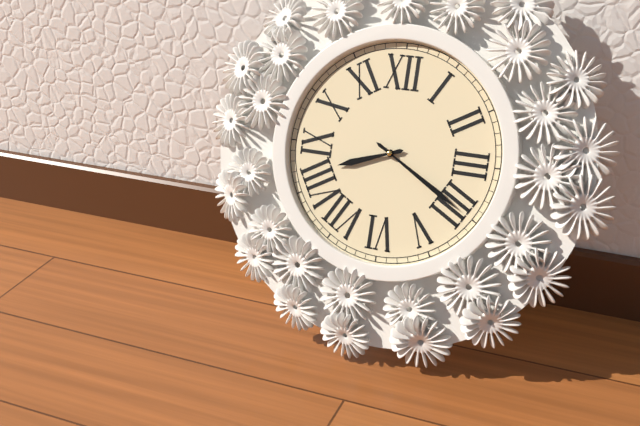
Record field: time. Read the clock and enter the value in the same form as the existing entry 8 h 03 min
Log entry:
8 h 20 min
